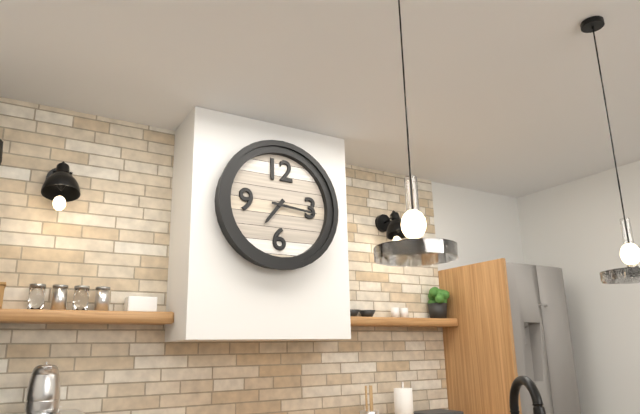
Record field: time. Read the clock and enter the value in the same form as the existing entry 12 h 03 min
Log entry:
7 h 16 min
